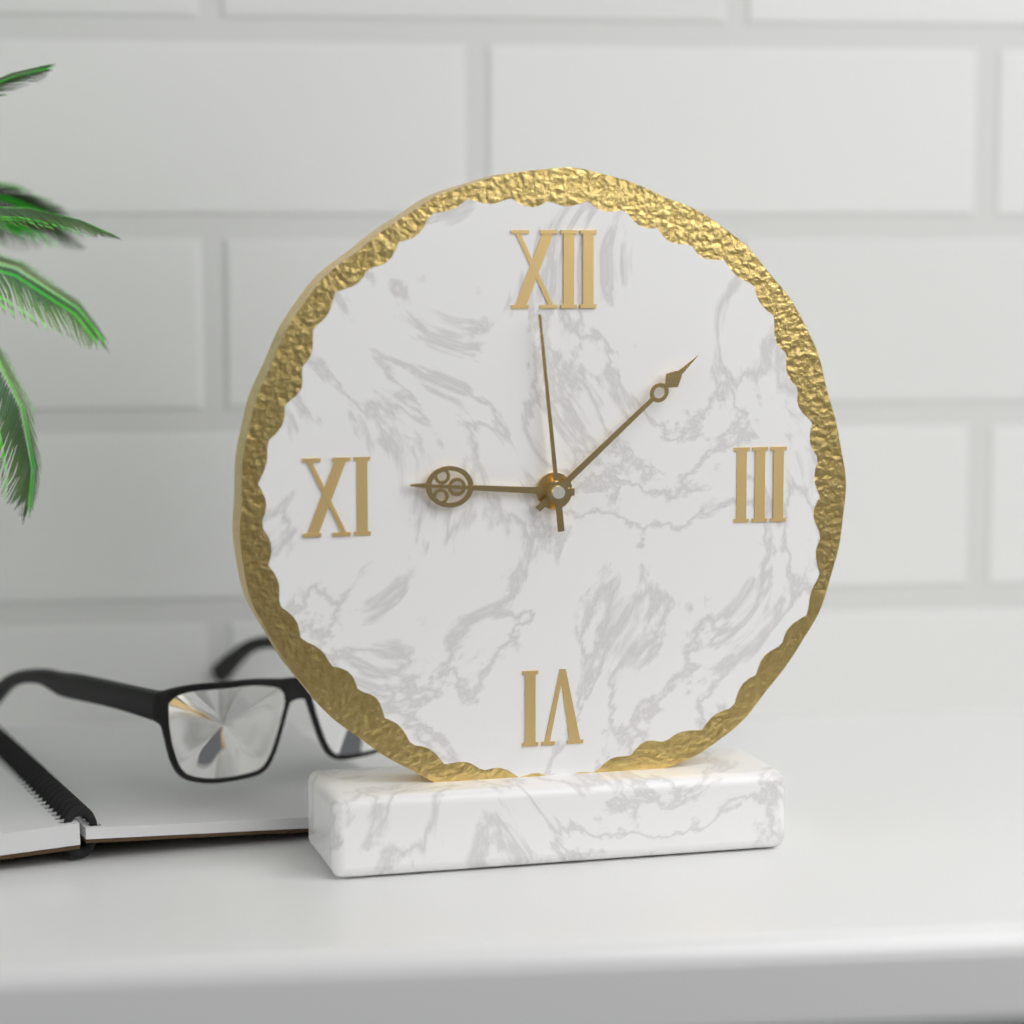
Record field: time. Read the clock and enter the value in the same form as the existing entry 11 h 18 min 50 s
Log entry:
9 h 08 min 59 s
